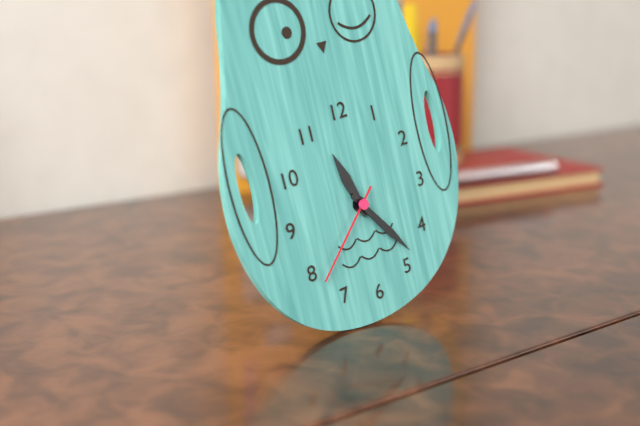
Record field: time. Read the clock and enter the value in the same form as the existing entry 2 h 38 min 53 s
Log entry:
11 h 24 min 38 s
